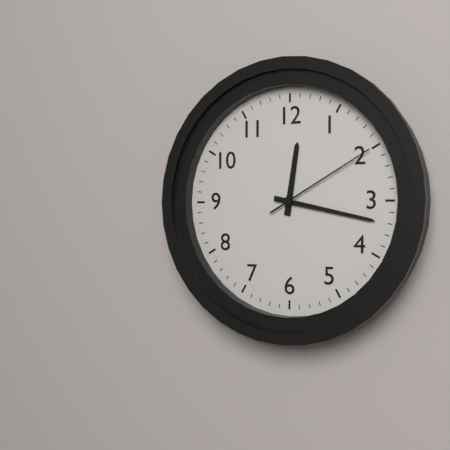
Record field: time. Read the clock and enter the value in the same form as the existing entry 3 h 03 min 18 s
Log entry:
12 h 17 min 10 s
